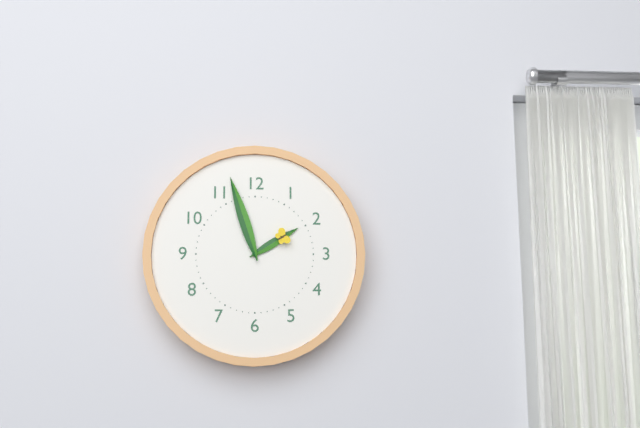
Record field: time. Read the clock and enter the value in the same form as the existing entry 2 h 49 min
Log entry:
1 h 57 min
